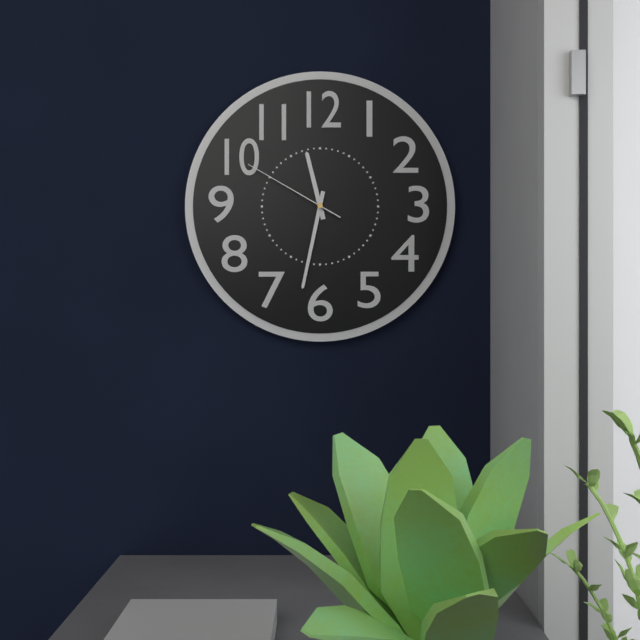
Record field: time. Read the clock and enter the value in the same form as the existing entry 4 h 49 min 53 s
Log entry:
11 h 32 min 50 s
